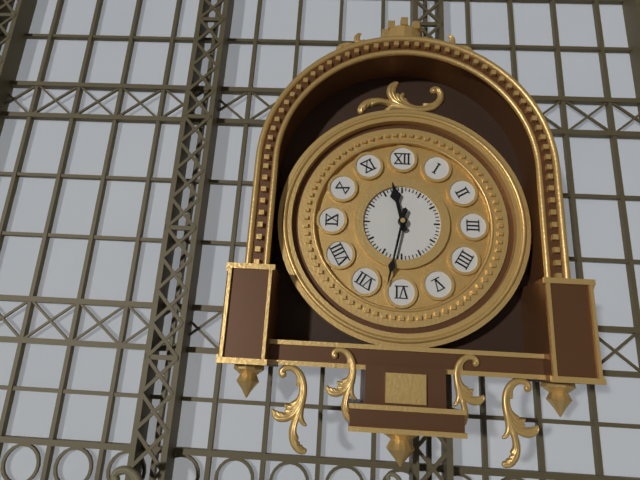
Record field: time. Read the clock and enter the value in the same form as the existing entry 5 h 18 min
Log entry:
11 h 32 min
